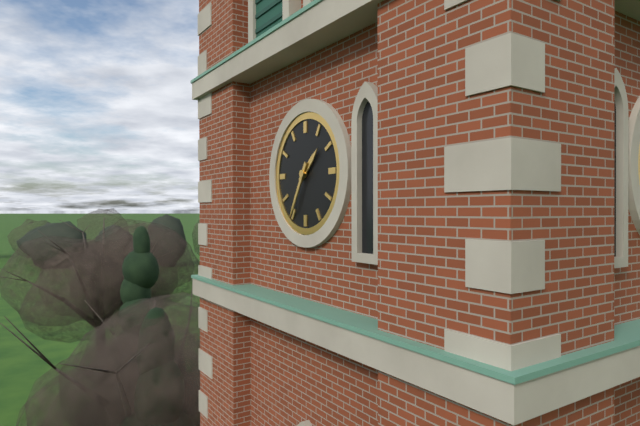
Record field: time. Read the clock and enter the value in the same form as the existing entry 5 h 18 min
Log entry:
1 h 35 min
